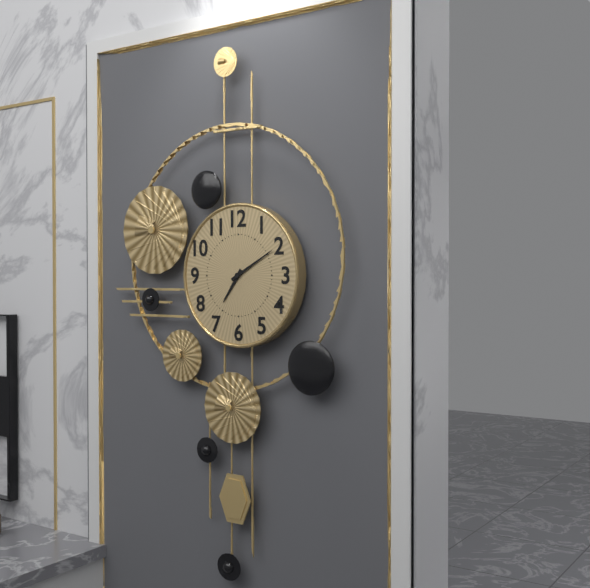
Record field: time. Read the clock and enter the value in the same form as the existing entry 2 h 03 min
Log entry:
7 h 10 min
